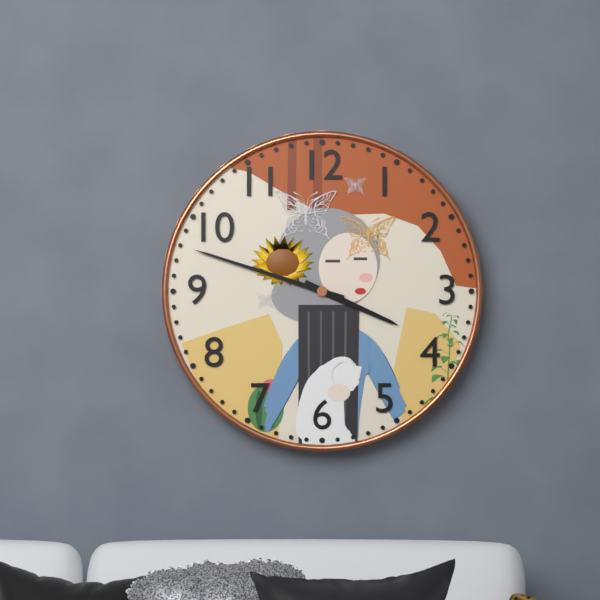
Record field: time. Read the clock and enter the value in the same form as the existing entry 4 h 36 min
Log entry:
3 h 48 min
